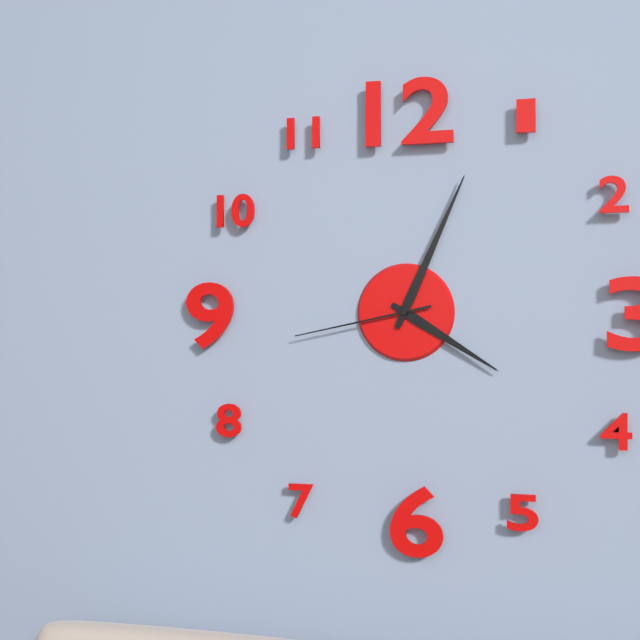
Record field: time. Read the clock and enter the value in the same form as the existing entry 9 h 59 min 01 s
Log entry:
4 h 04 min 43 s
